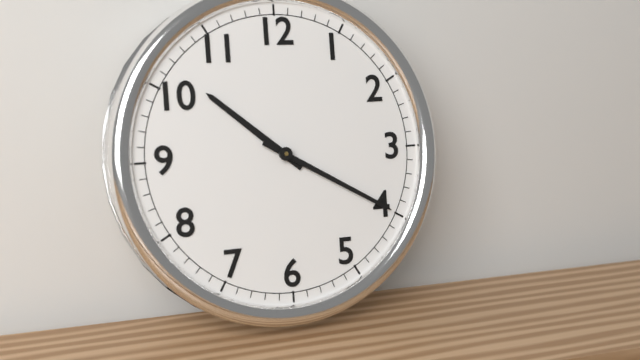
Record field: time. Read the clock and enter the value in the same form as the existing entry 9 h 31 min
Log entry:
10 h 20 min
